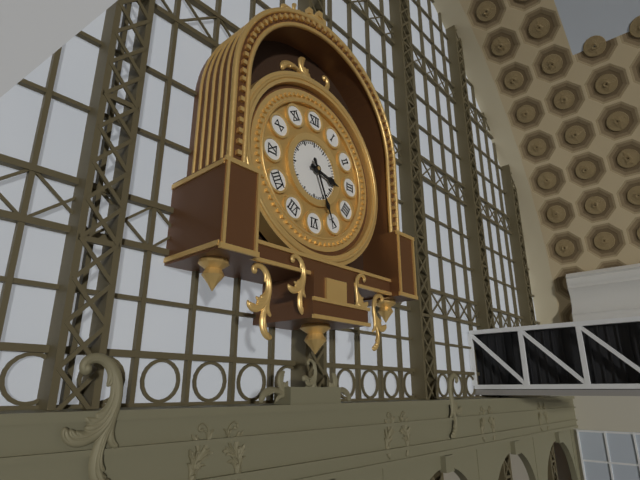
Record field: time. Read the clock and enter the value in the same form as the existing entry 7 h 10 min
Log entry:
3 h 26 min
